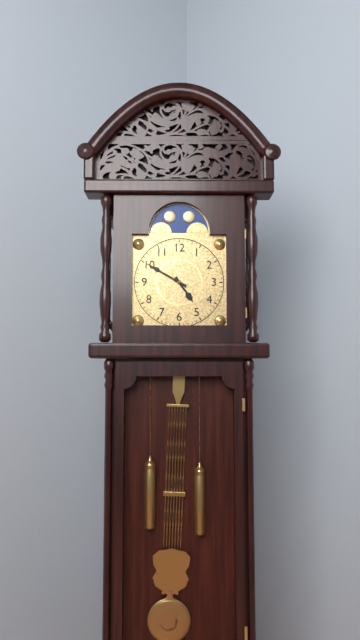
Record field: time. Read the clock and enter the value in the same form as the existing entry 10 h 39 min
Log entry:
4 h 50 min
